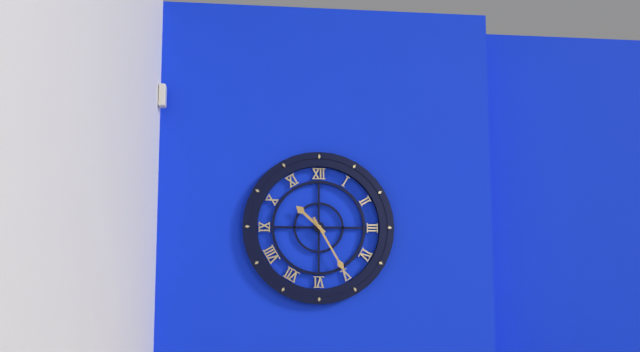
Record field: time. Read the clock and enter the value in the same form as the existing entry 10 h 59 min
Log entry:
10 h 25 min
